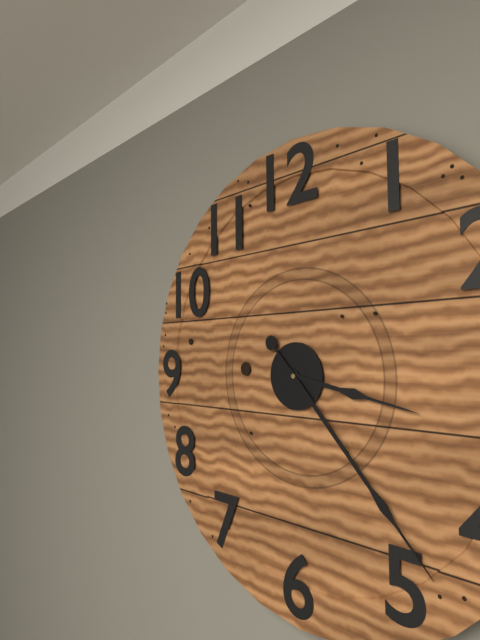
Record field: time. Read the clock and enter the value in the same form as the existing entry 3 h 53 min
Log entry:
3 h 23 min
